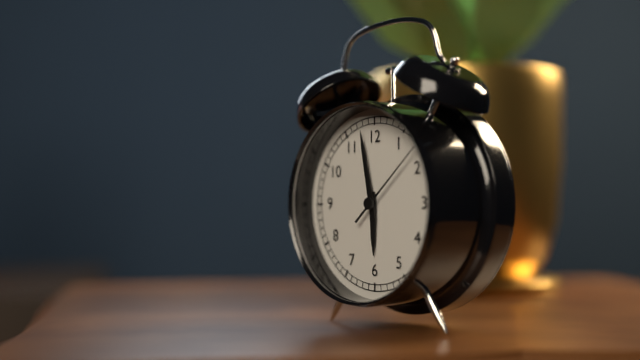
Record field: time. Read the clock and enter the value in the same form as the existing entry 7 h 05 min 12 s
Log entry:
5 h 58 min 08 s
